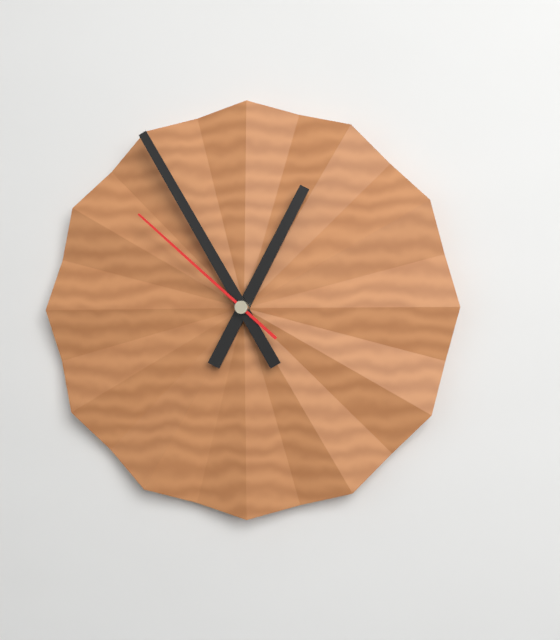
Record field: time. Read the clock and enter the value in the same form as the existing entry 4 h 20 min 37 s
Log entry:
12 h 55 min 52 s
